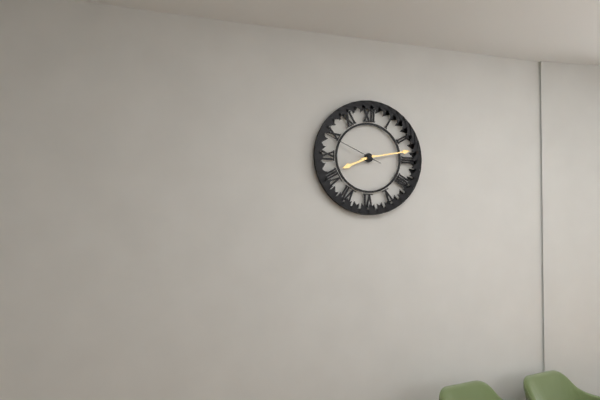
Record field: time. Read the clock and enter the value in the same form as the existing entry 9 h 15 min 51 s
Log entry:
8 h 13 min 49 s
